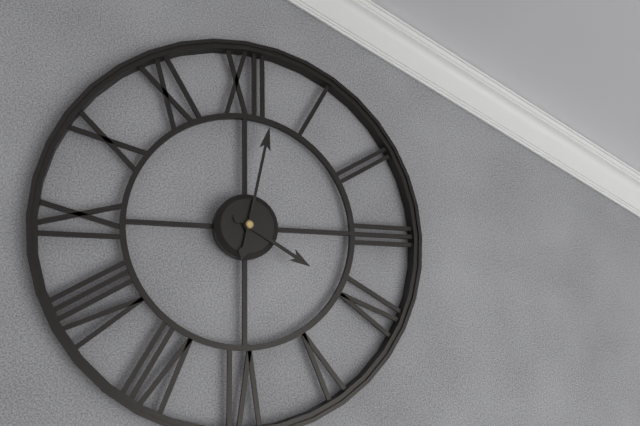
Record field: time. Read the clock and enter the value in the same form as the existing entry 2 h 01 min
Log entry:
4 h 02 min
